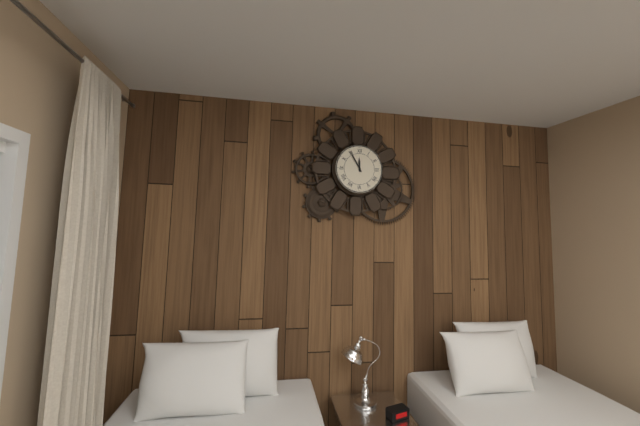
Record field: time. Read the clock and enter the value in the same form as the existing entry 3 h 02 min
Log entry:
11 h 55 min
